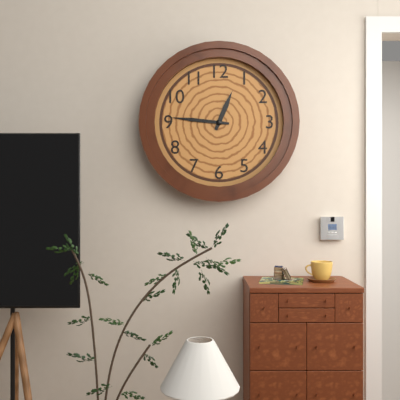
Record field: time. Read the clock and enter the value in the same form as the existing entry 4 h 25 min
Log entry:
12 h 46 min
